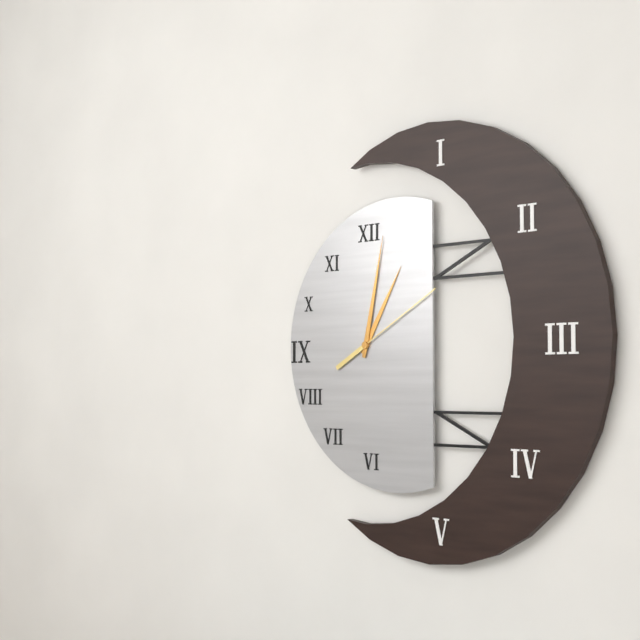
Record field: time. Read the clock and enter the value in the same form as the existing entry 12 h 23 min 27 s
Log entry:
1 h 02 min 10 s
